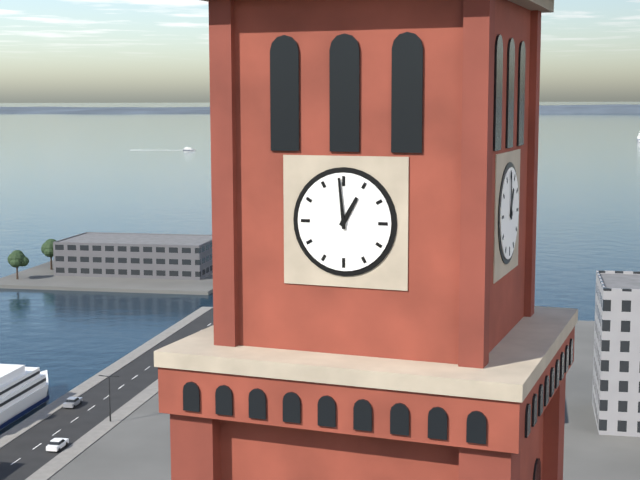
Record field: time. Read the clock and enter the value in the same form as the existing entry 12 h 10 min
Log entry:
12 h 59 min
